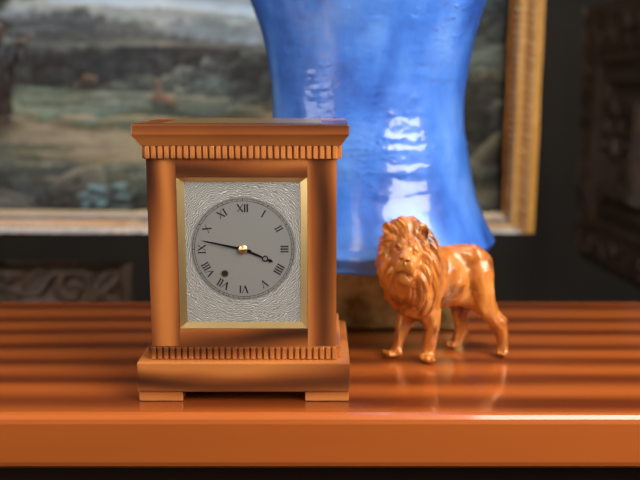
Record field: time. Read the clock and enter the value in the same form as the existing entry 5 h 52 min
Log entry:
3 h 47 min
